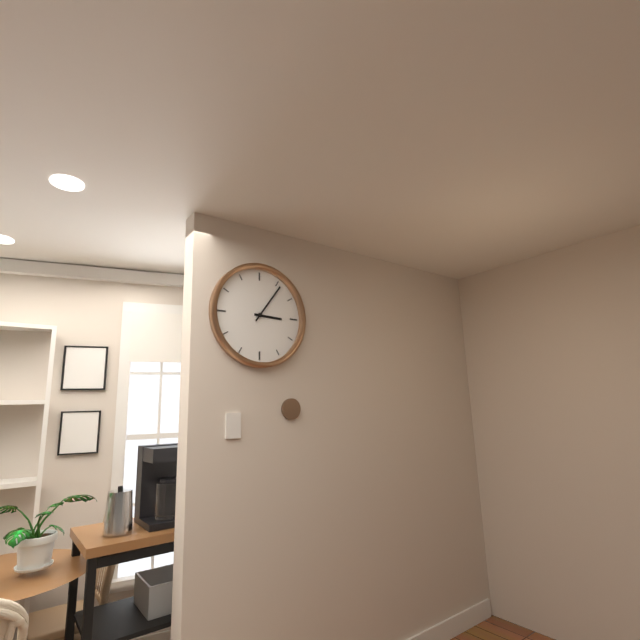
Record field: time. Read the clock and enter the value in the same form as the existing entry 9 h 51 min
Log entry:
3 h 06 min
